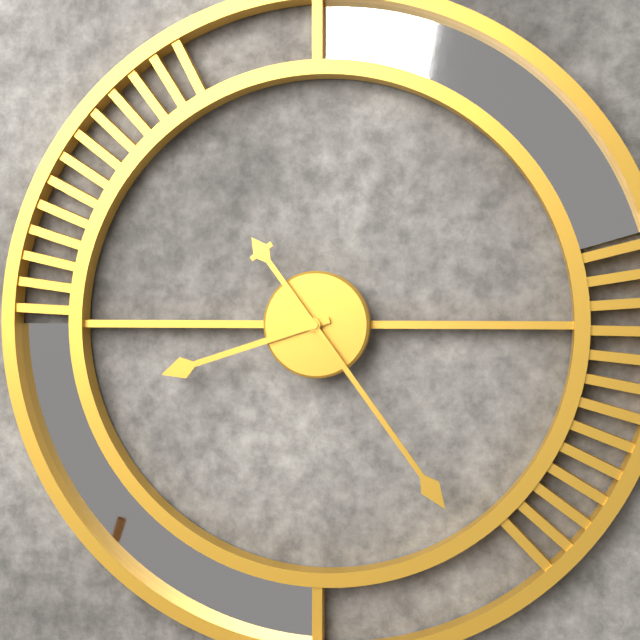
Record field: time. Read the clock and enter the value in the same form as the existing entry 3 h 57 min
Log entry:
8 h 24 min
